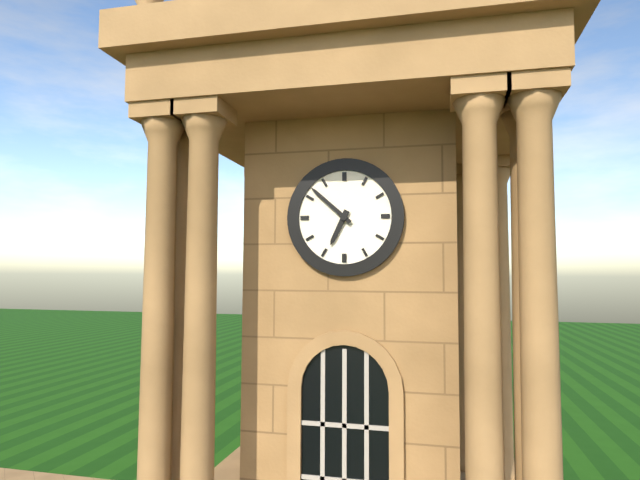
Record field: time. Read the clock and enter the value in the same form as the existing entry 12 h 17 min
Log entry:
6 h 52 min
